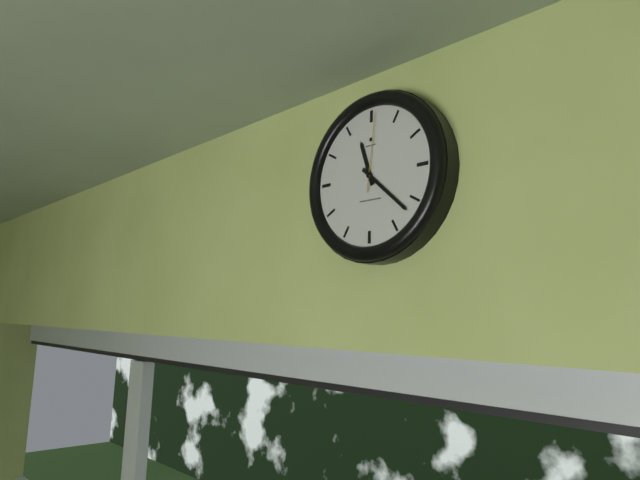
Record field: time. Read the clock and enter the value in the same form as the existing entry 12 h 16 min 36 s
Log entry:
11 h 22 min 01 s
